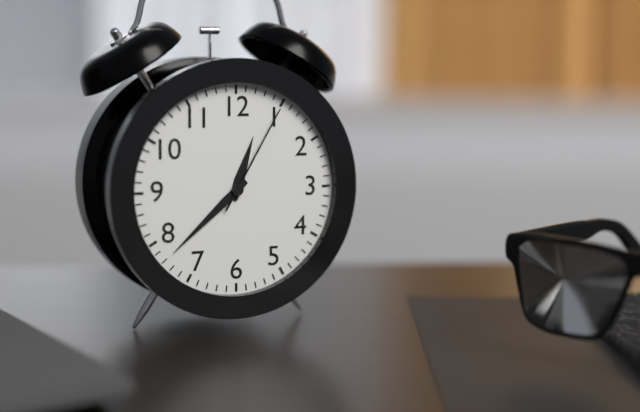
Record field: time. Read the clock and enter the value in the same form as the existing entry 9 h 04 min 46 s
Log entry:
12 h 38 min 05 s
